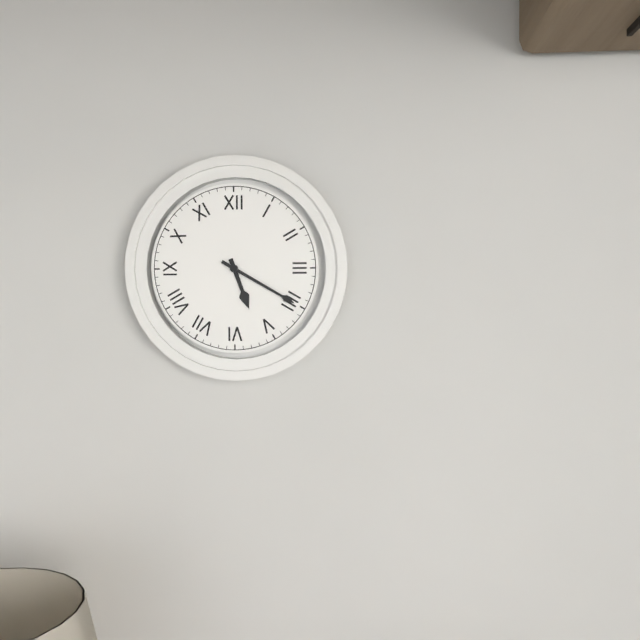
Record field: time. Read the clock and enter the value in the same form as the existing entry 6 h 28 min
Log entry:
5 h 20 min
